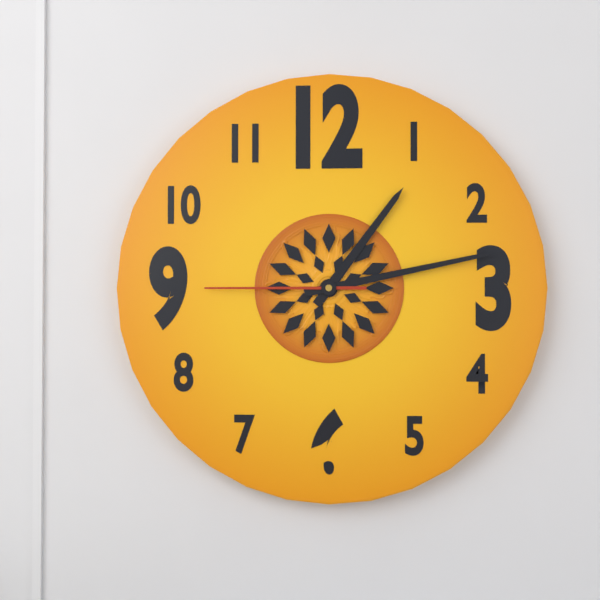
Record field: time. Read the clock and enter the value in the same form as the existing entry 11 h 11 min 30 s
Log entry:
1 h 13 min 45 s
